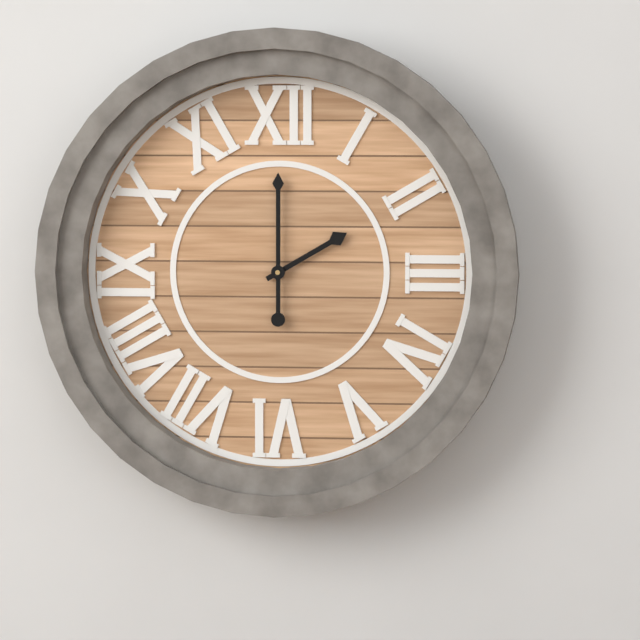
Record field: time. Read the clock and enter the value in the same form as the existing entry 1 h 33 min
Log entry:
2 h 00 min
